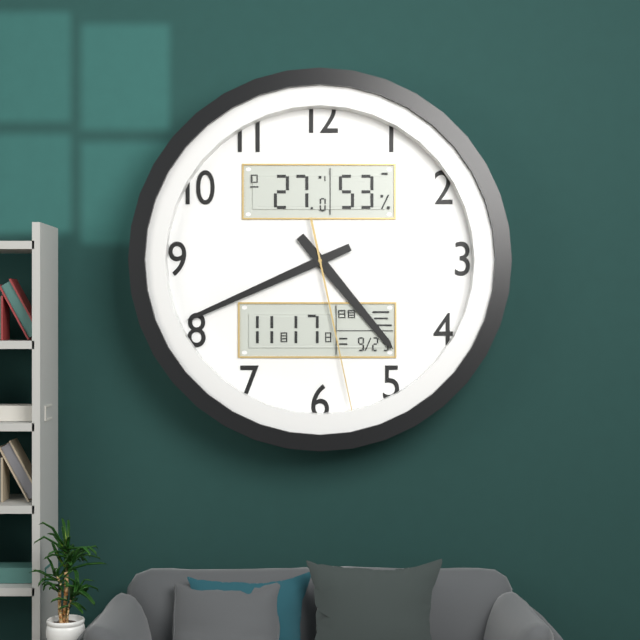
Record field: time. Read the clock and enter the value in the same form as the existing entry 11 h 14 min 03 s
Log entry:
4 h 41 min 28 s
